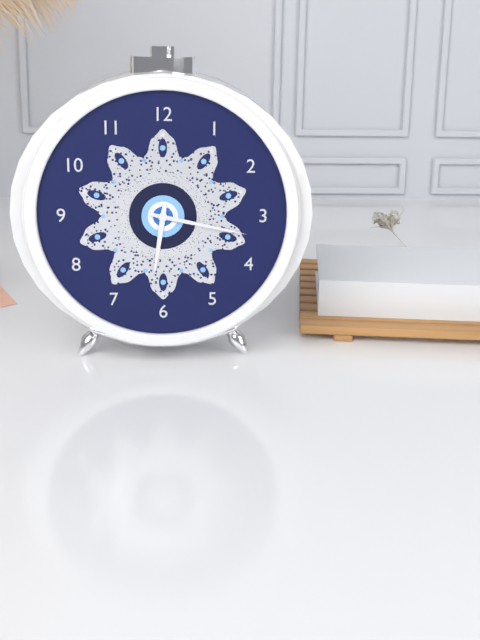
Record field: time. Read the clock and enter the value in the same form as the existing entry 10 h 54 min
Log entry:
6 h 17 min
